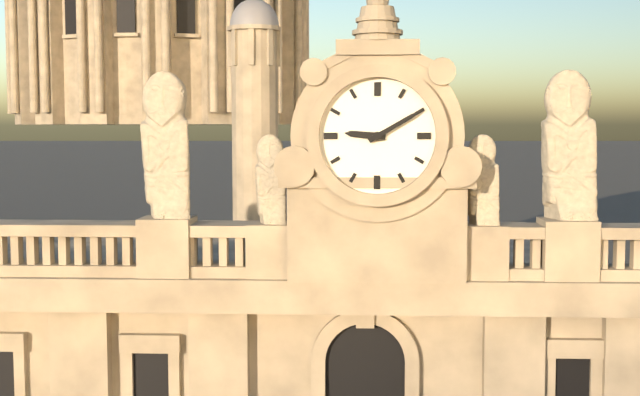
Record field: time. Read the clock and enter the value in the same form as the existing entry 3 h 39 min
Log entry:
9 h 10 min
